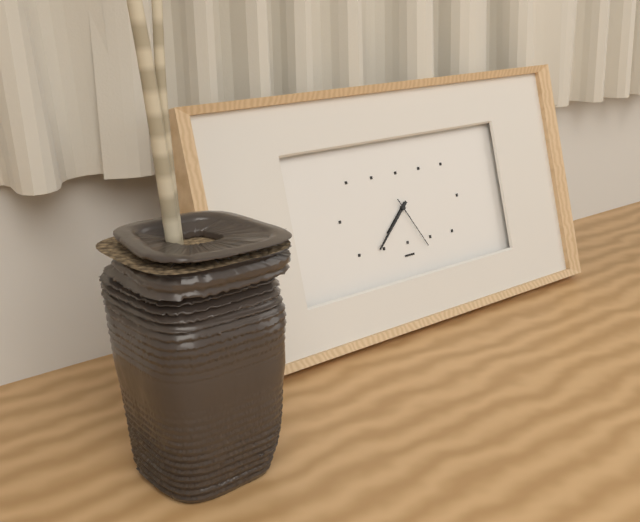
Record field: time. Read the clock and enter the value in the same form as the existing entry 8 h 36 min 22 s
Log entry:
7 h 38 min 25 s
